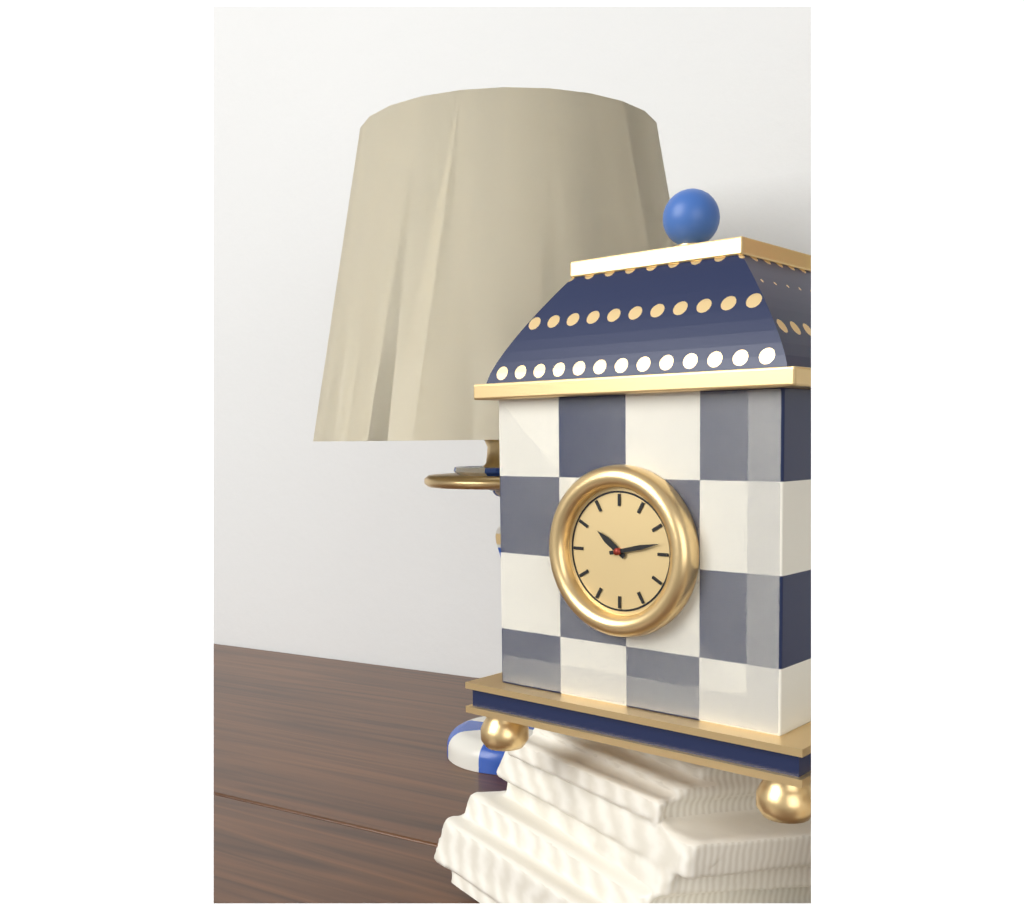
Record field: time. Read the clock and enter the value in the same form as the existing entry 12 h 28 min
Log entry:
10 h 13 min
